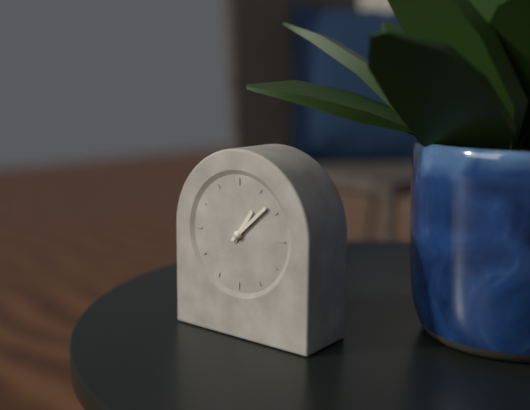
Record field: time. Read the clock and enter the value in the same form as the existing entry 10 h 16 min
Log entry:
1 h 08 min
